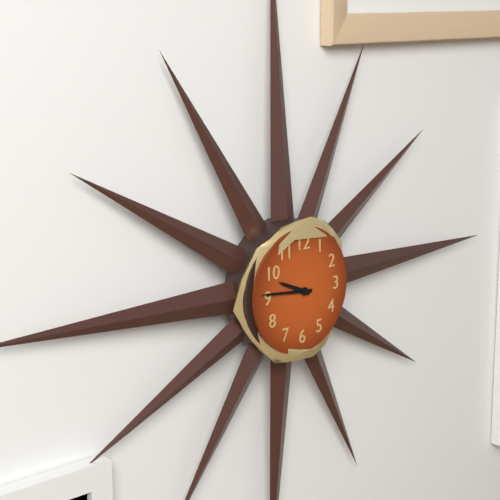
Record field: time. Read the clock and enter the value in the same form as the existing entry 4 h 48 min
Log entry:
9 h 46 min
